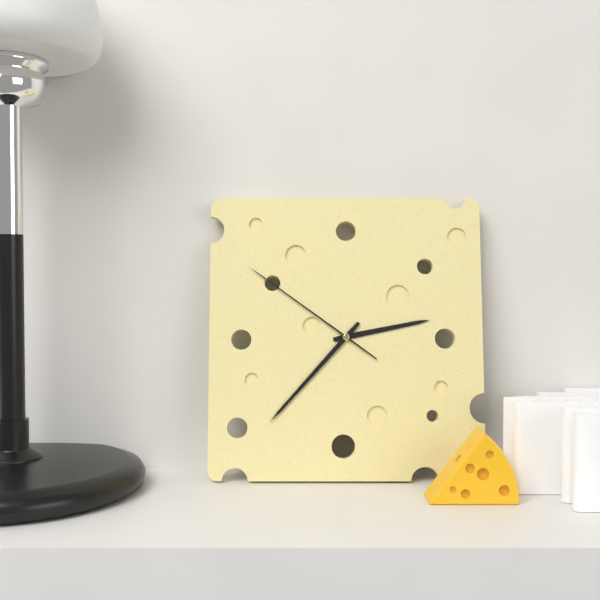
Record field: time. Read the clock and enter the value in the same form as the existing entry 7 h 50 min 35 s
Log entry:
2 h 37 min 51 s
